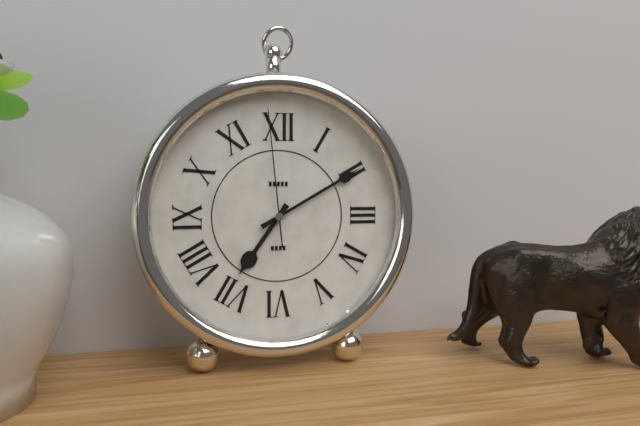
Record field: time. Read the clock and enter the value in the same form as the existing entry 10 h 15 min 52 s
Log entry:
7 h 10 min 59 s
